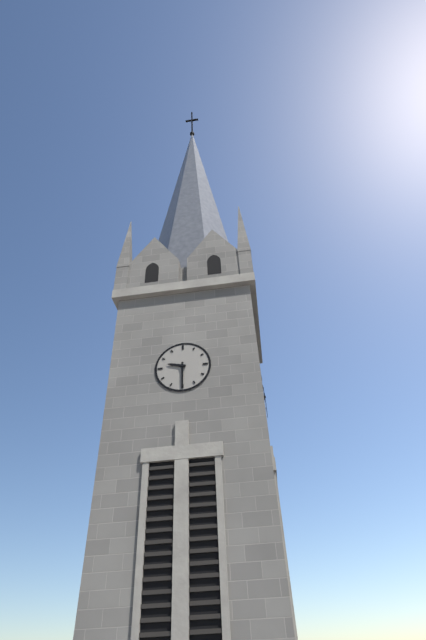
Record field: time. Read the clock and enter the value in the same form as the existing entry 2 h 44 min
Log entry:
9 h 30 min
